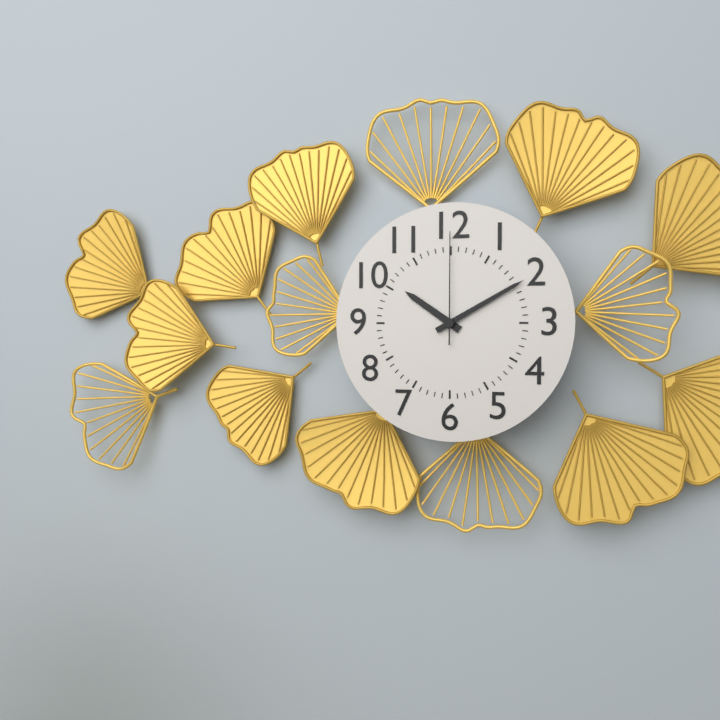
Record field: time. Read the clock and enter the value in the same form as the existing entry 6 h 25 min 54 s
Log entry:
10 h 10 min 00 s
